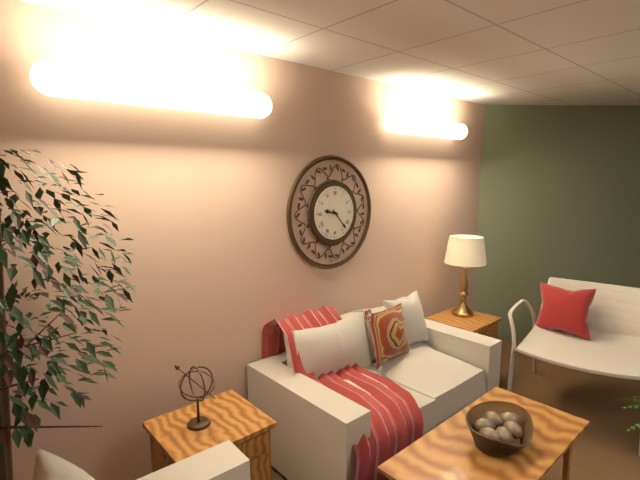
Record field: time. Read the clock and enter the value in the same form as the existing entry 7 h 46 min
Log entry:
9 h 23 min
